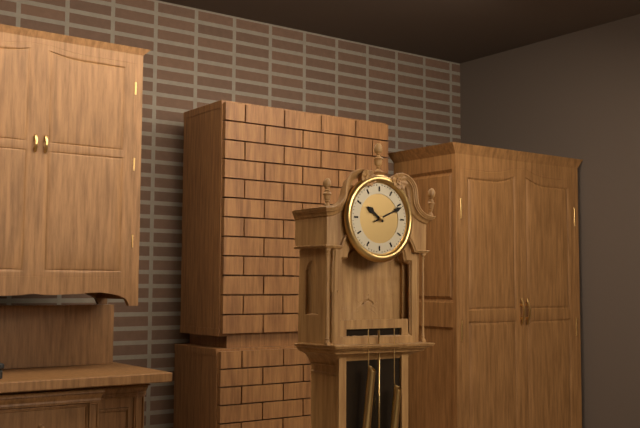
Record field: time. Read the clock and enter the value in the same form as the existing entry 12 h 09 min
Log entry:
10 h 11 min
